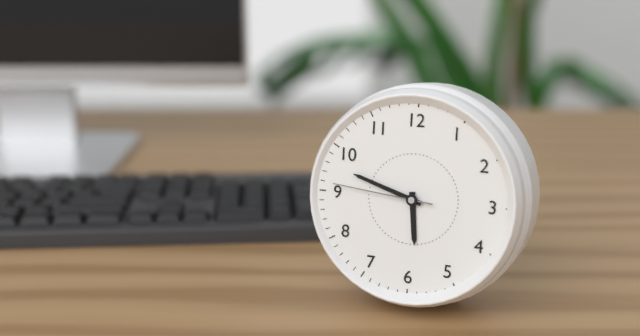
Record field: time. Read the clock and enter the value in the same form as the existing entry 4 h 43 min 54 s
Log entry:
5 h 48 min 46 s
